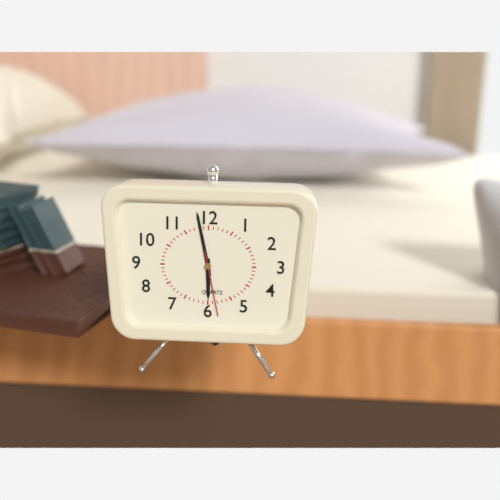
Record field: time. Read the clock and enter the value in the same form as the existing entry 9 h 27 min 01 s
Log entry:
5 h 58 min 28 s
